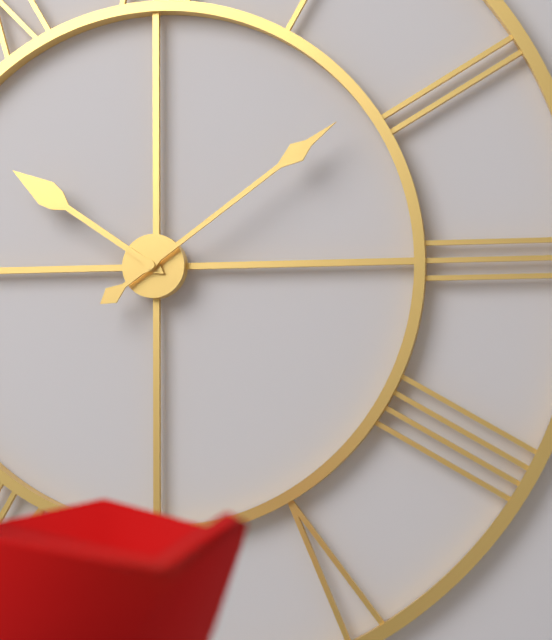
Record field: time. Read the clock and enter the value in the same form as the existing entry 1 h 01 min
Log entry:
10 h 09 min
